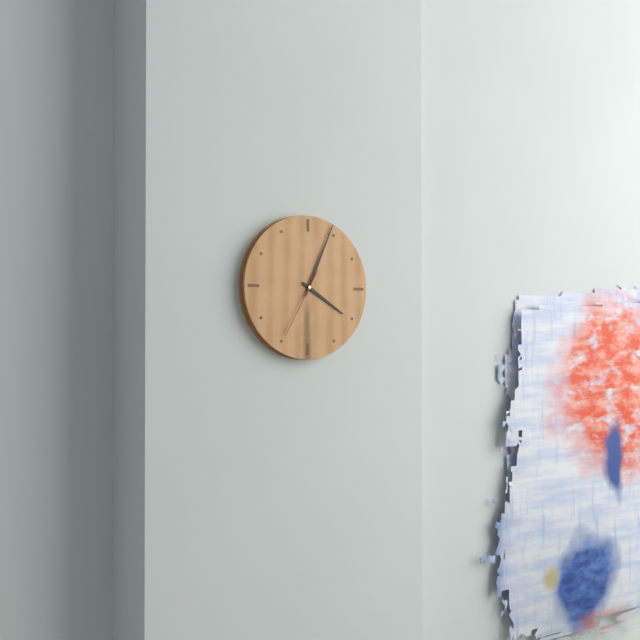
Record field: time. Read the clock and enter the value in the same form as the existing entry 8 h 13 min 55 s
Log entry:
4 h 04 min 35 s
